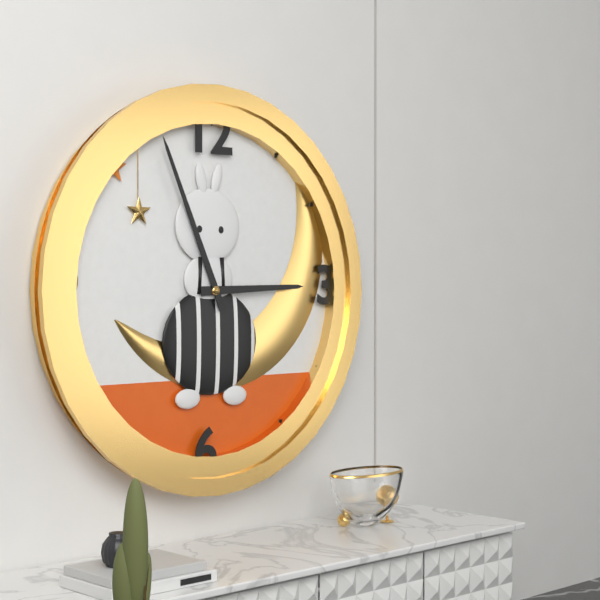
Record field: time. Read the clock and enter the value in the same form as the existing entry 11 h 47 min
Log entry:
2 h 56 min
